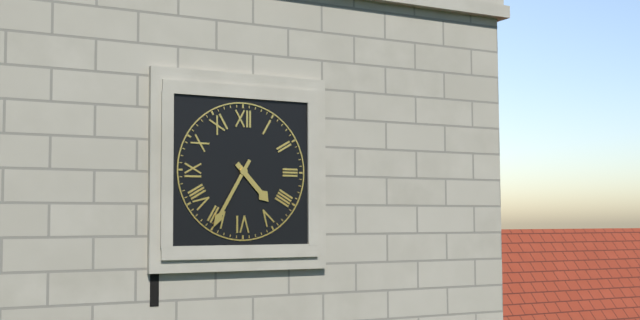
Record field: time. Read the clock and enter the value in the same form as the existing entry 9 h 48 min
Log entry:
4 h 35 min
